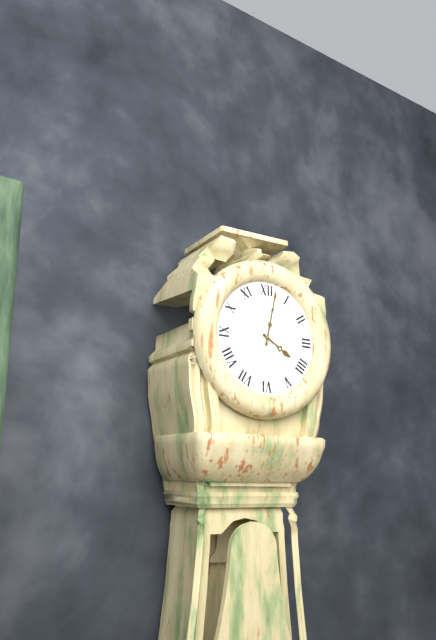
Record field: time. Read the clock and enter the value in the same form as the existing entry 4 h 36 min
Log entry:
4 h 02 min
